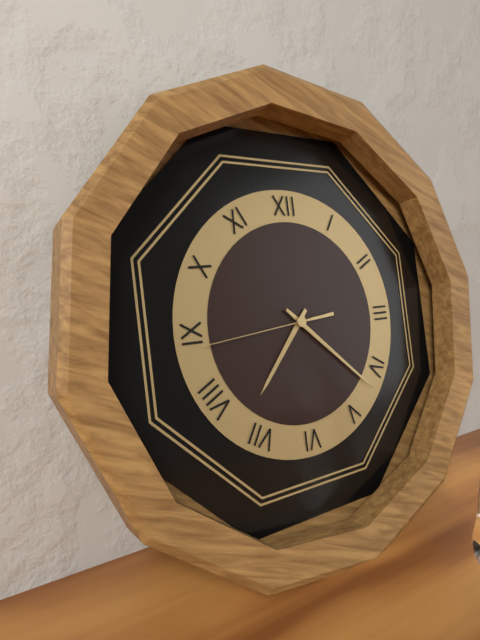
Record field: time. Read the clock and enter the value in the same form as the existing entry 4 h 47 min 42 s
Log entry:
7 h 22 min 44 s
